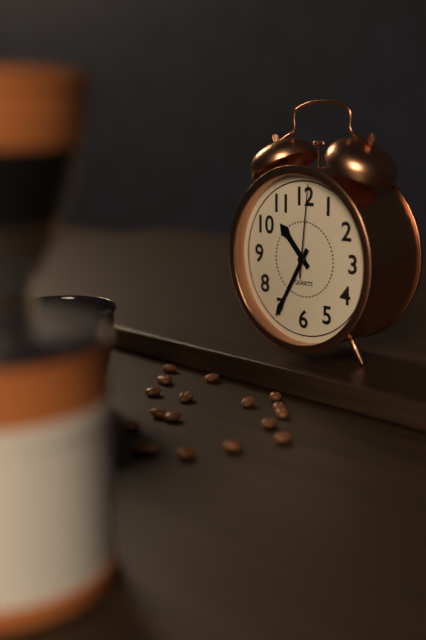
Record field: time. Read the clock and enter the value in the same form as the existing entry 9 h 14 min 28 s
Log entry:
10 h 35 min 01 s
